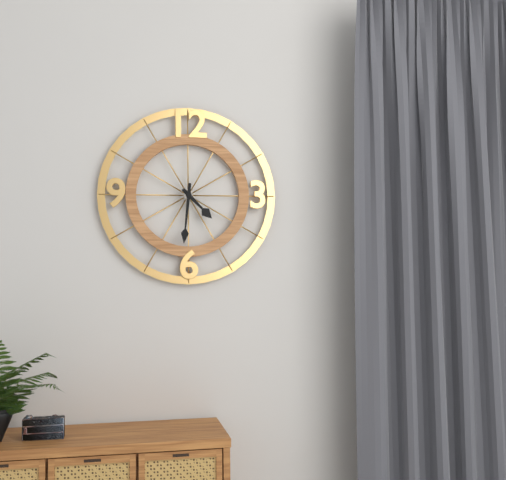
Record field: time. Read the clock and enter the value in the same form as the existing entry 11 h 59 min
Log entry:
4 h 31 min
